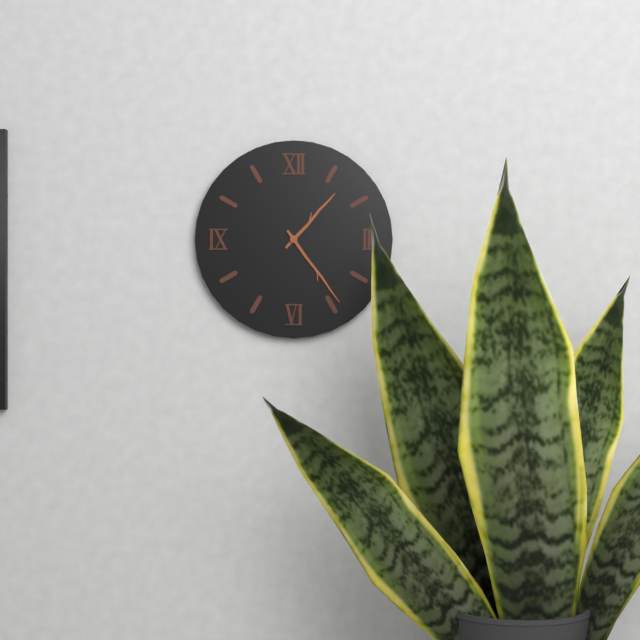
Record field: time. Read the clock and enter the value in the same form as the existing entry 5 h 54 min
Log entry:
1 h 24 min
